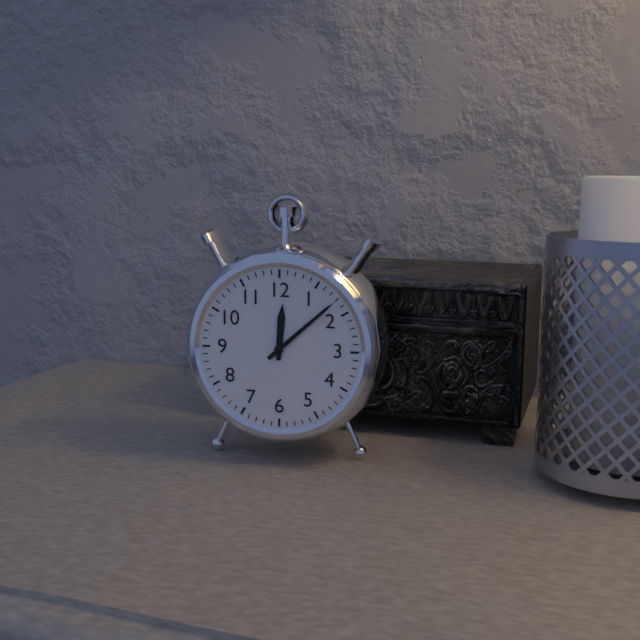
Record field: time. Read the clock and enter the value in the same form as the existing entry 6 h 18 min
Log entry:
12 h 08 min
